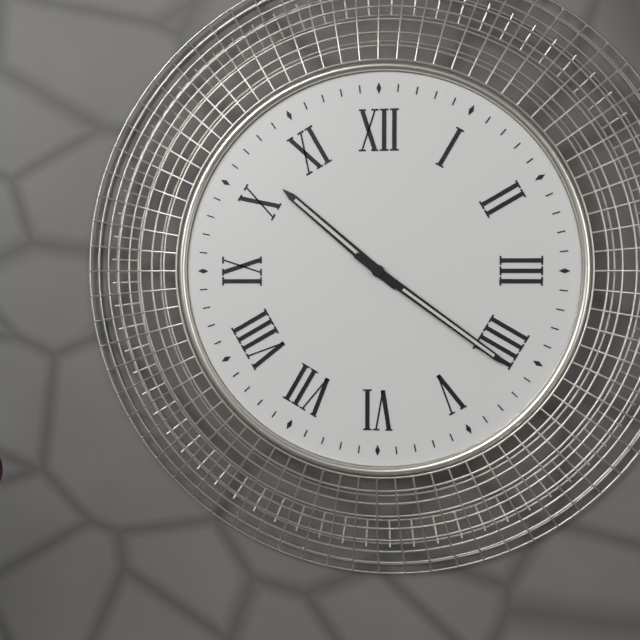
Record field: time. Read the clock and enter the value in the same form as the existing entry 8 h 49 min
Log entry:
10 h 21 min
